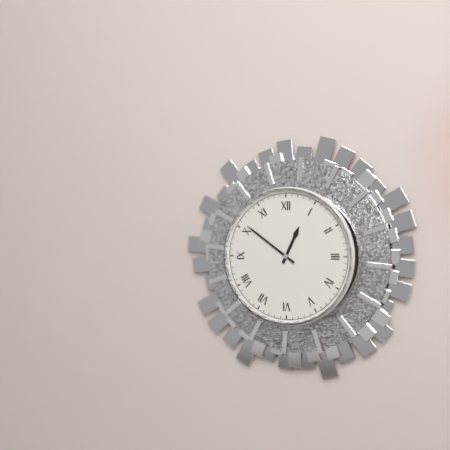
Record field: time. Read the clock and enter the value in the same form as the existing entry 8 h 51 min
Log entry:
12 h 51 min
